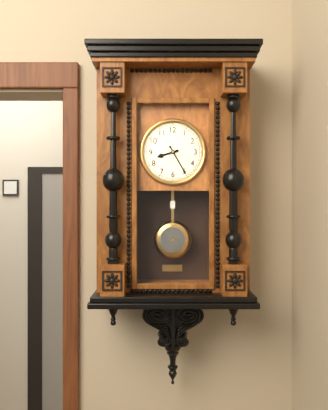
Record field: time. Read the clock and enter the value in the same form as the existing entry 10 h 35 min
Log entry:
8 h 25 min
